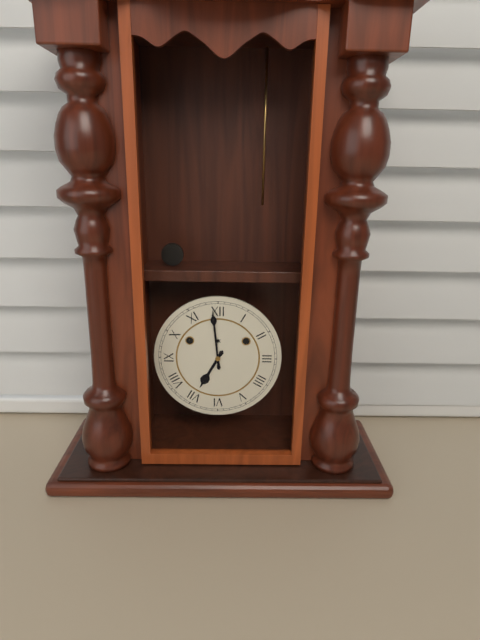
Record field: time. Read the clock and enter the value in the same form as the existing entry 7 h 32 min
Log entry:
6 h 59 min
